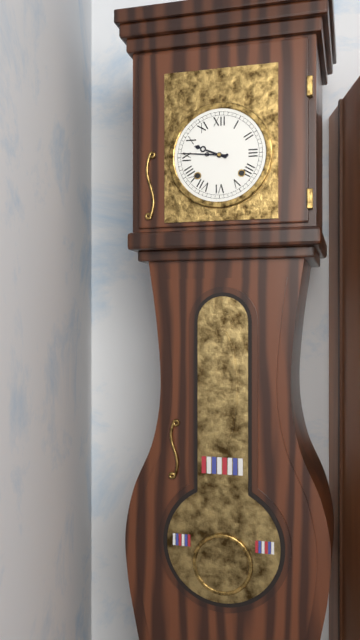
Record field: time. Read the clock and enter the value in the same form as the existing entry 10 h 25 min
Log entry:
9 h 46 min
